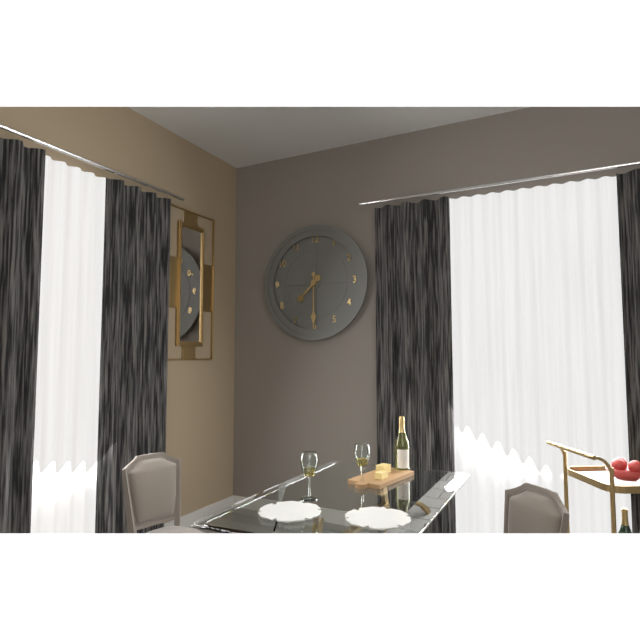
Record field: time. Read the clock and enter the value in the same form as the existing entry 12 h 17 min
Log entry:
7 h 30 min
